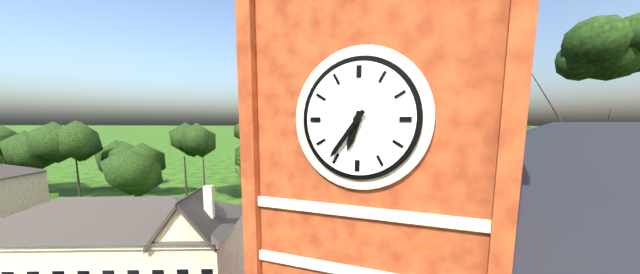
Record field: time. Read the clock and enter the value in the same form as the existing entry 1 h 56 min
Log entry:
6 h 36 min
